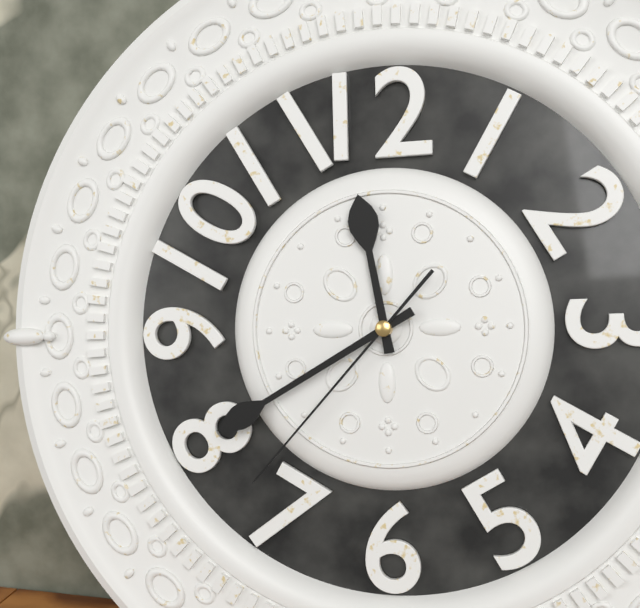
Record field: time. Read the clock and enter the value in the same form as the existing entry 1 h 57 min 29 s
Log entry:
11 h 40 min 37 s
